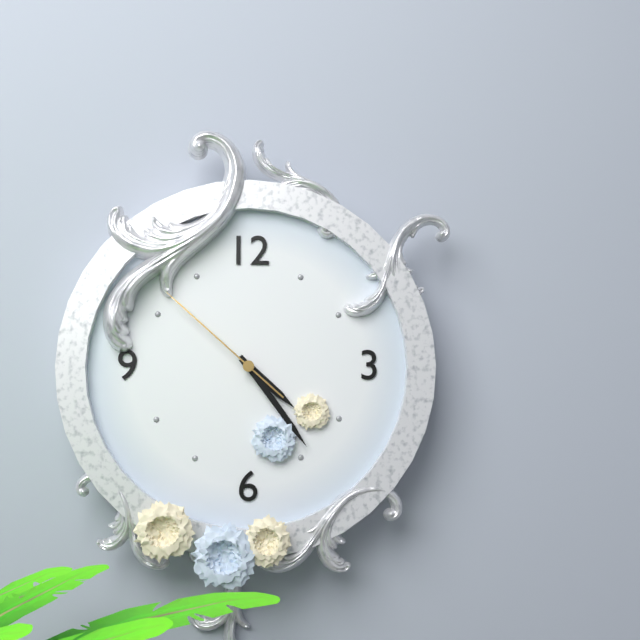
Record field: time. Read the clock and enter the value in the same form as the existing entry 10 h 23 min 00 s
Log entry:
4 h 24 min 52 s
